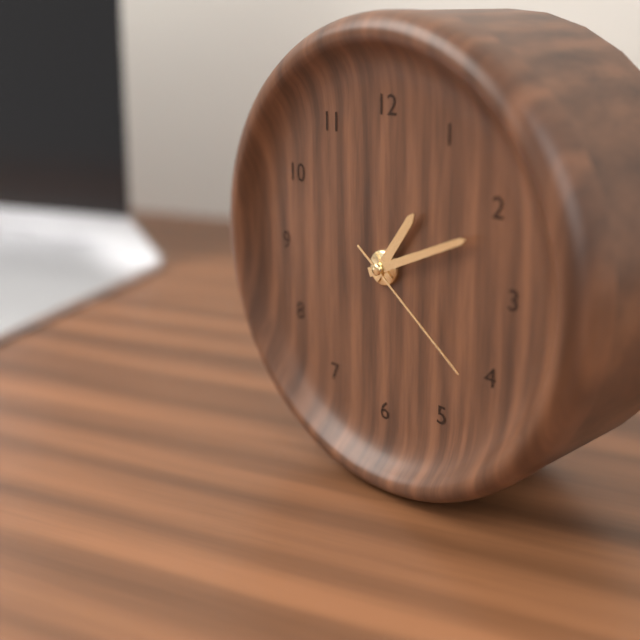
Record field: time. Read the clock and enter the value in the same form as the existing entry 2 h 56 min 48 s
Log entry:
1 h 11 min 21 s
